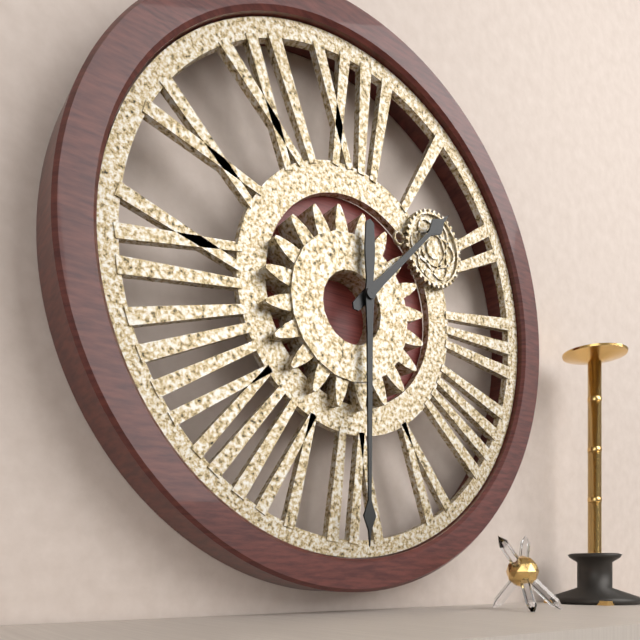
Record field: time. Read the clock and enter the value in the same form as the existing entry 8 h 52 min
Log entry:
1 h 30 min
